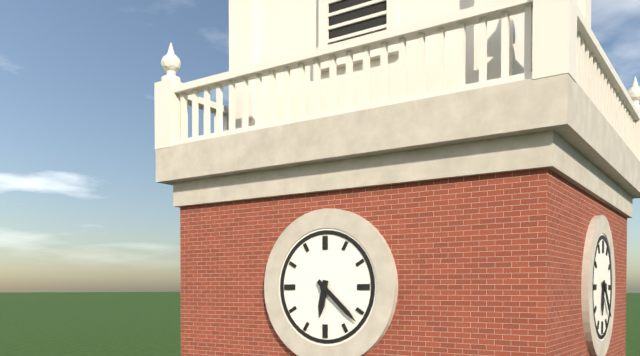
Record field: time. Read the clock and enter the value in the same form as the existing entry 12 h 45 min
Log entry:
6 h 22 min
